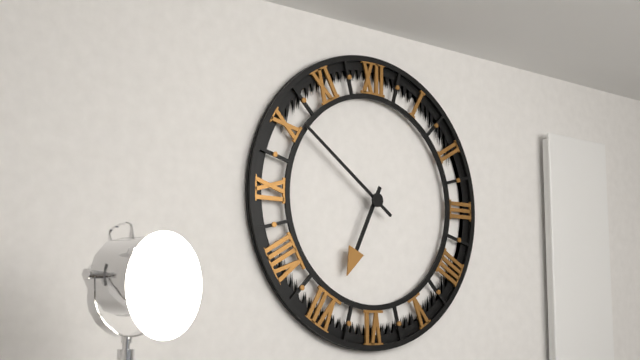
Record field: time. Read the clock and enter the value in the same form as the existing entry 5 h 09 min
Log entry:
6 h 51 min
